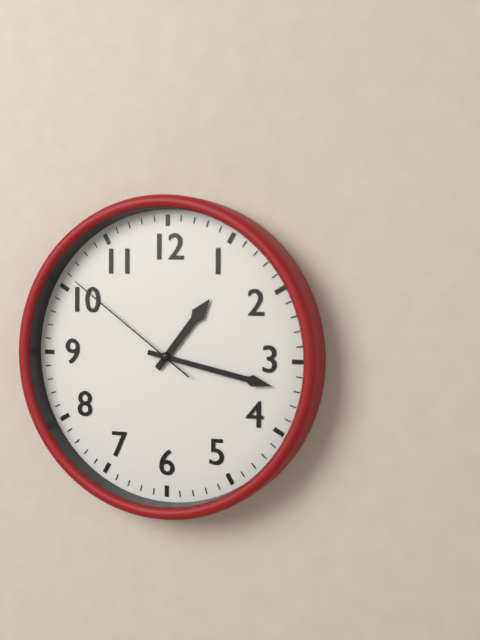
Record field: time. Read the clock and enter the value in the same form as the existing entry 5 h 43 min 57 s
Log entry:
1 h 17 min 51 s
